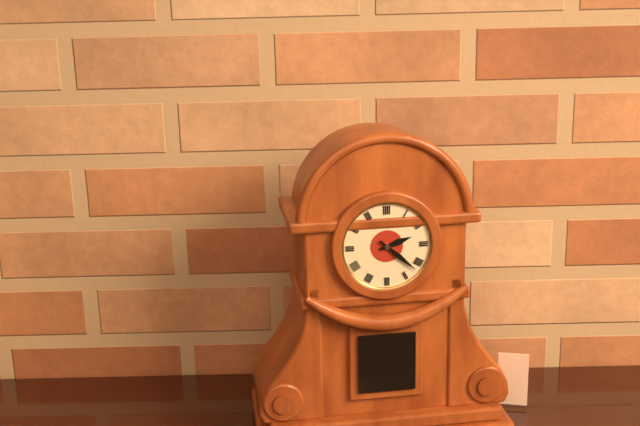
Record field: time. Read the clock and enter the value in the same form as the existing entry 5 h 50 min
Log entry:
2 h 22 min
